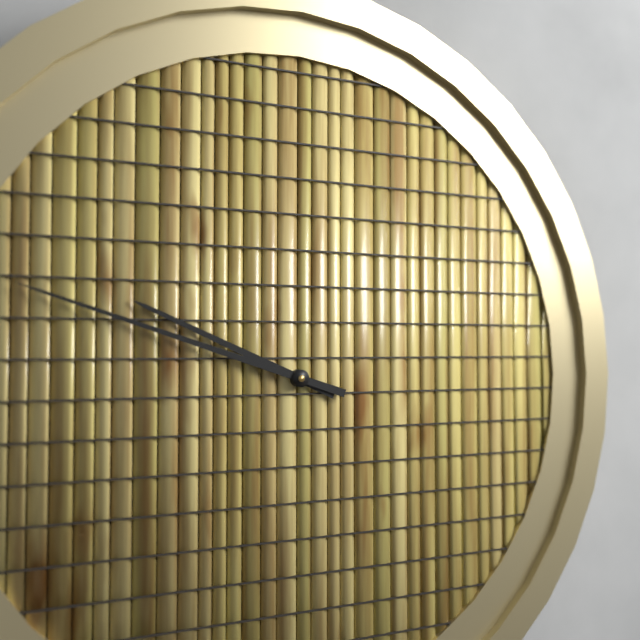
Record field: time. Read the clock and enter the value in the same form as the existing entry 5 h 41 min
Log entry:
9 h 48 min
